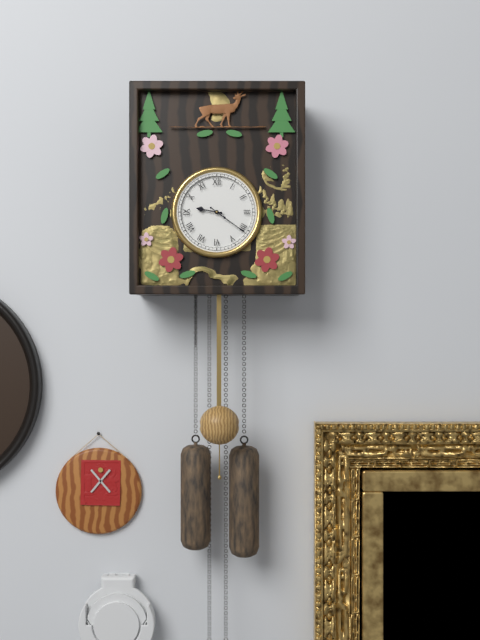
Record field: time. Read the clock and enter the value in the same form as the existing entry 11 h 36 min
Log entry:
9 h 21 min
